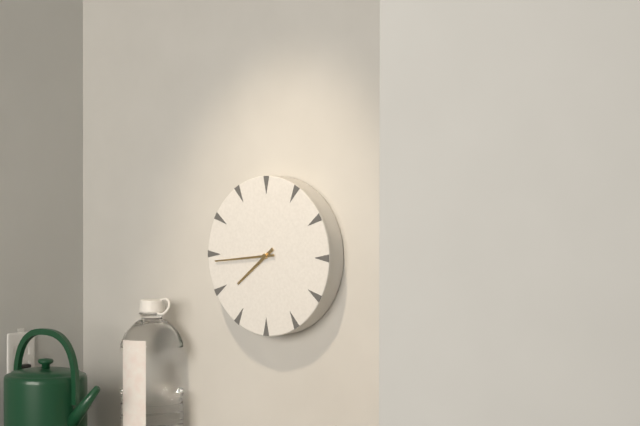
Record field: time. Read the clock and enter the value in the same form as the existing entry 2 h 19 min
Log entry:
7 h 44 min
